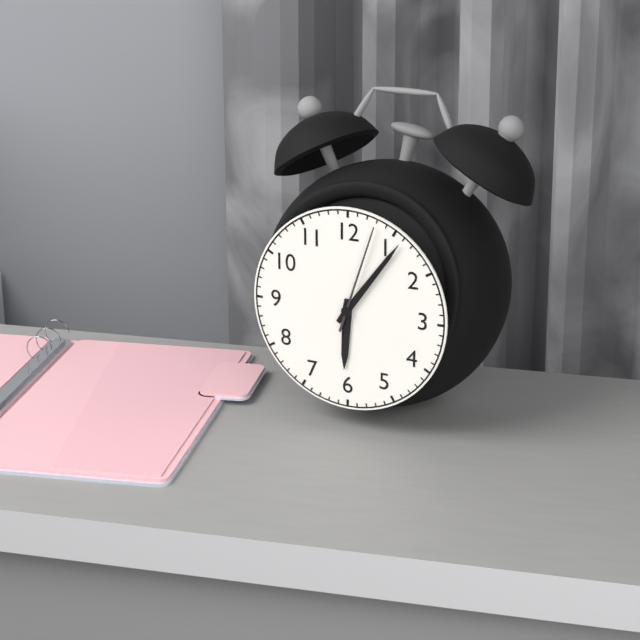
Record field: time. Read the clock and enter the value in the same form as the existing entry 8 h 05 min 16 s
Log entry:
6 h 06 min 03 s
